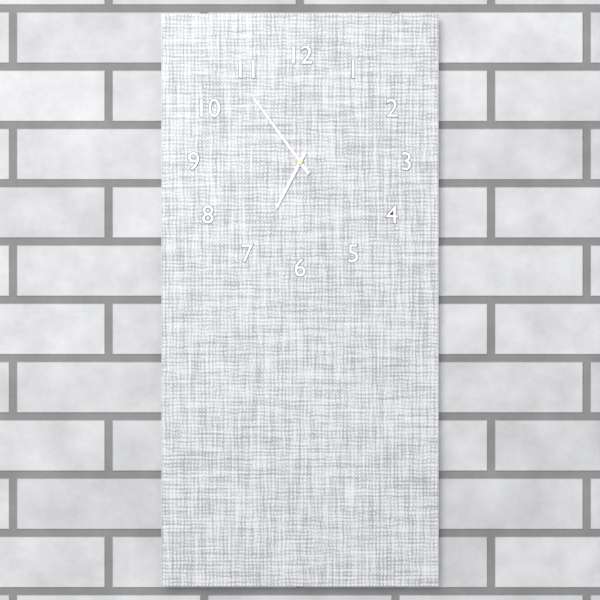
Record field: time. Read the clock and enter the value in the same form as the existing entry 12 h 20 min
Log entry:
6 h 54 min
